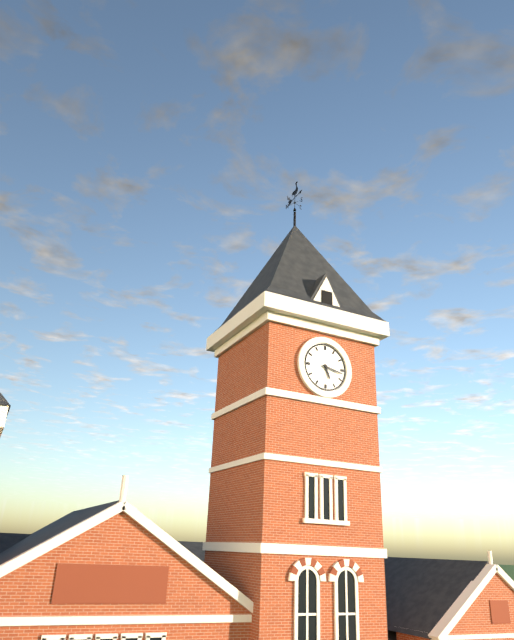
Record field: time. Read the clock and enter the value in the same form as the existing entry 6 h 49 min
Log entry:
5 h 17 min
